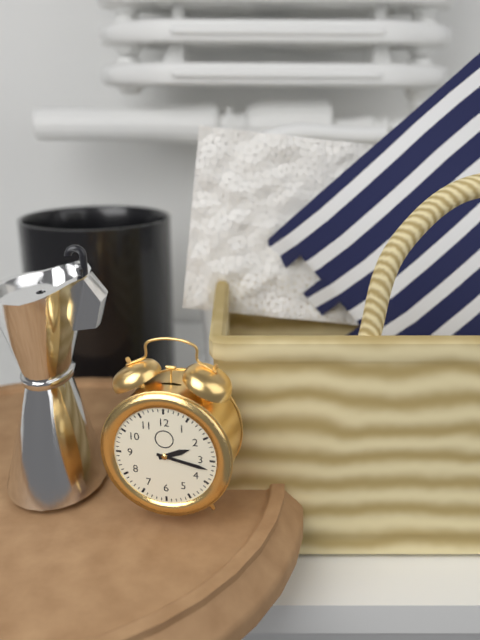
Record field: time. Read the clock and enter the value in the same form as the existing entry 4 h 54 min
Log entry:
2 h 17 min
